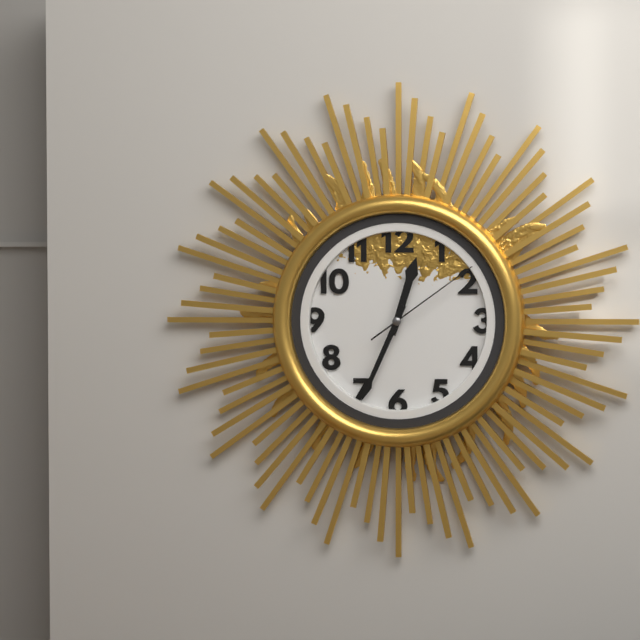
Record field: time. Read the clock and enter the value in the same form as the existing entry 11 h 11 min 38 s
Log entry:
12 h 34 min 09 s
